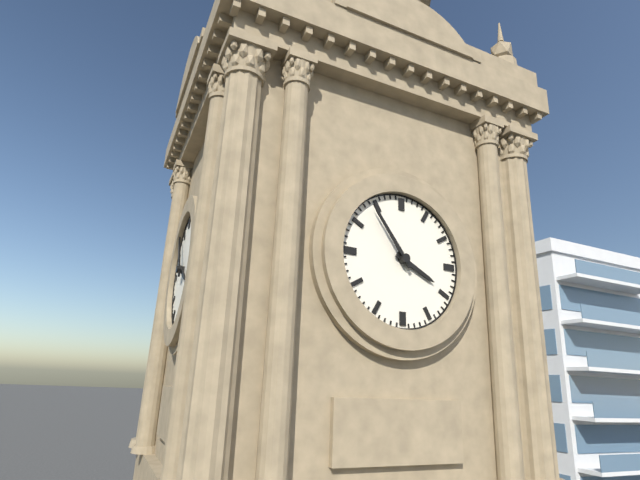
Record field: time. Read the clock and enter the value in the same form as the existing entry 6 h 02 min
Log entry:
3 h 54 min
